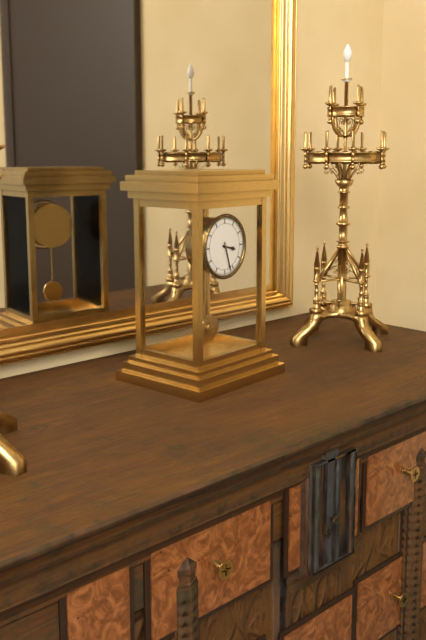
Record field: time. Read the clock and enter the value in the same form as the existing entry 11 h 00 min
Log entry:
3 h 27 min
